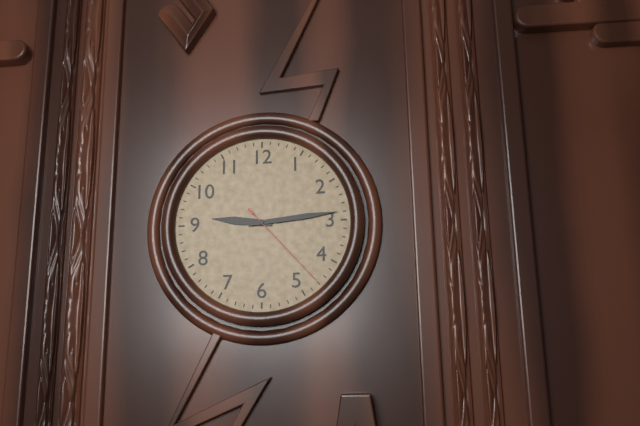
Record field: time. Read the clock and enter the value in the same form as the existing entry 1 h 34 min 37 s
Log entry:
9 h 14 min 23 s
